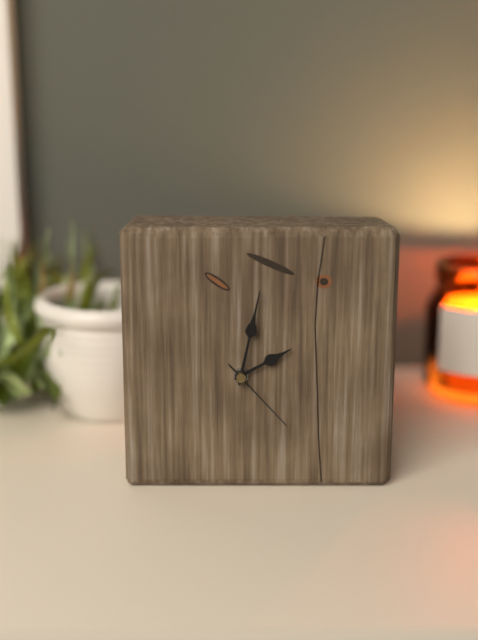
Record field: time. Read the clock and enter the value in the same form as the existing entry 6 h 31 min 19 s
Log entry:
2 h 02 min 23 s
